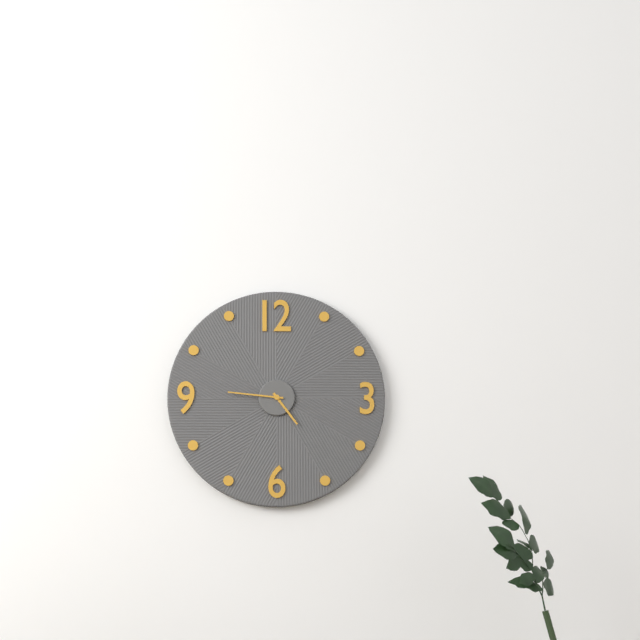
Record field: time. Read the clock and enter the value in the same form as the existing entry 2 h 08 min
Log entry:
4 h 46 min
